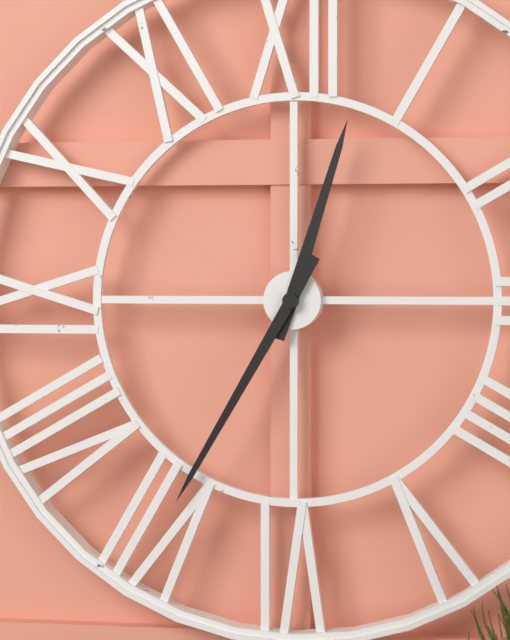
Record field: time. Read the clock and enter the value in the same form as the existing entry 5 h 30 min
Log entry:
12 h 35 min
